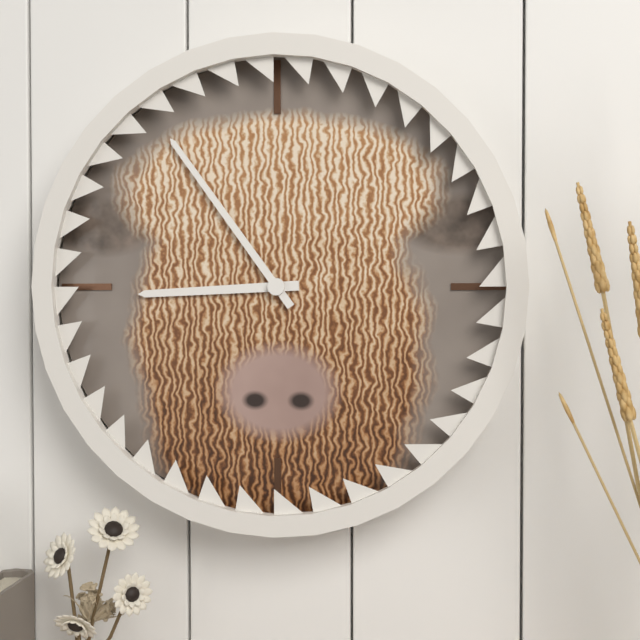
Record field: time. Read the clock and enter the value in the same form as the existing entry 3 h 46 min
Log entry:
8 h 54 min
